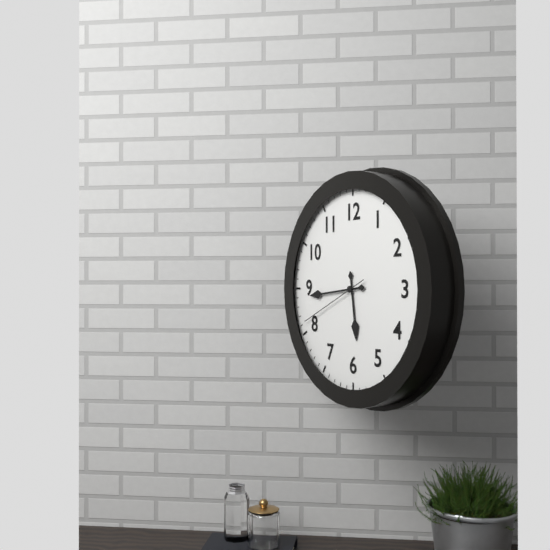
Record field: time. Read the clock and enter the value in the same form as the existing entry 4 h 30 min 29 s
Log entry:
5 h 44 min 41 s
